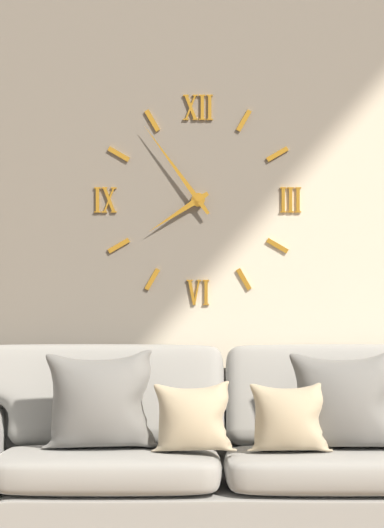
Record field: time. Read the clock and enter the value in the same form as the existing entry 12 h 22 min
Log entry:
7 h 54 min
